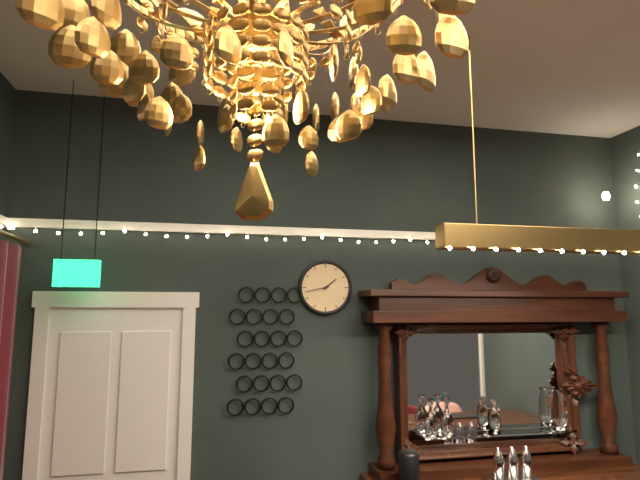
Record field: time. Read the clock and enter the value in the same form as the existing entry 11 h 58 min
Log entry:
1 h 43 min
